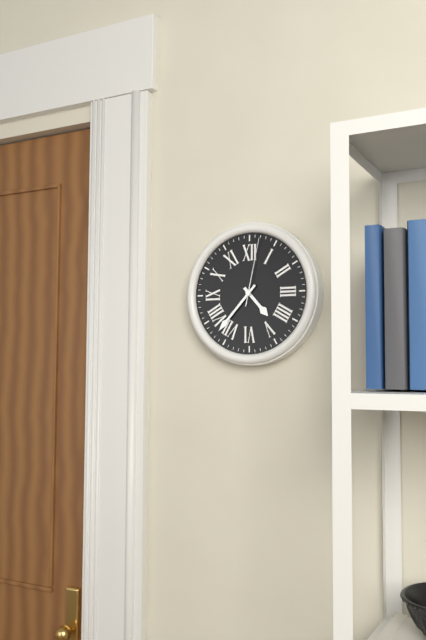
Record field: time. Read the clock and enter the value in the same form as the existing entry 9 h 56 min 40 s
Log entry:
4 h 37 min 02 s
